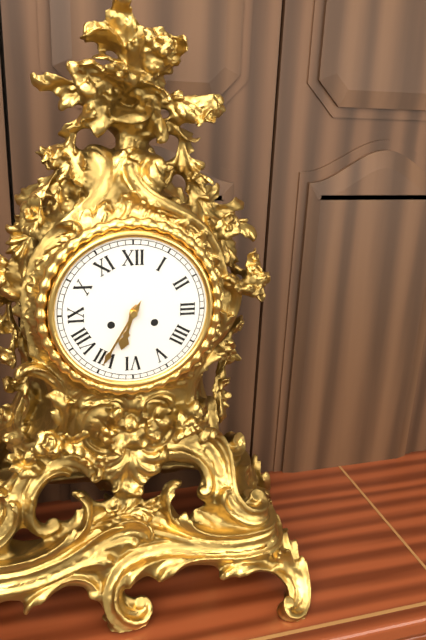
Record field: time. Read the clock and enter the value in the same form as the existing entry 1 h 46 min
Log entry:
6 h 35 min
